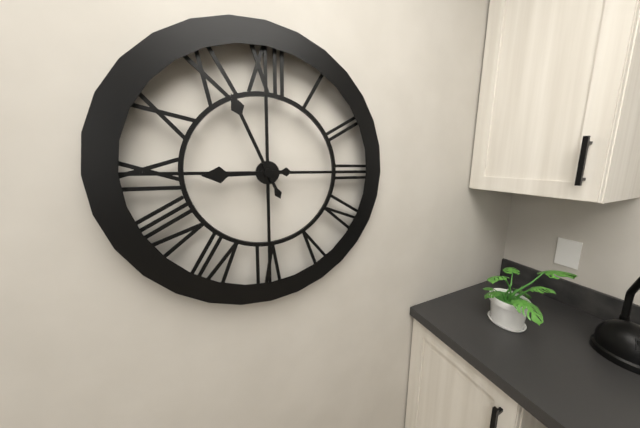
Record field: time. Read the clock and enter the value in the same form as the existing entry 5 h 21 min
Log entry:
8 h 56 min
